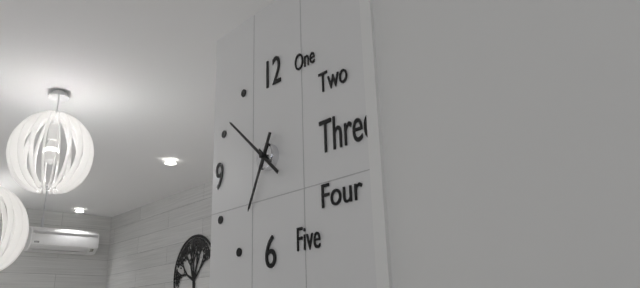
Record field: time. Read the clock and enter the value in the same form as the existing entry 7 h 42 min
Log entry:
6 h 52 min
